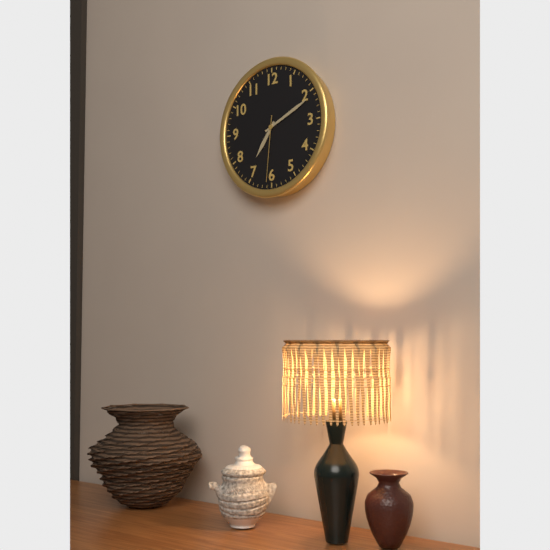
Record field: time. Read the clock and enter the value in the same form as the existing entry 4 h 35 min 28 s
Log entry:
7 h 11 min 31 s
